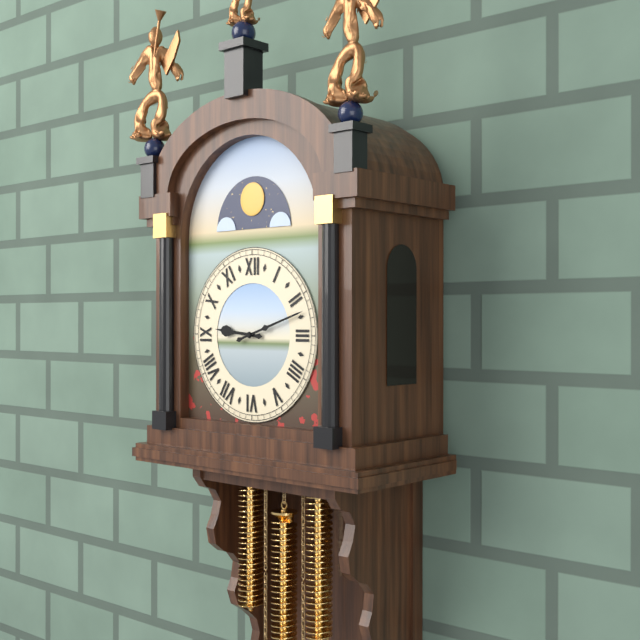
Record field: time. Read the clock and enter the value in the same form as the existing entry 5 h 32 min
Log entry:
9 h 12 min
